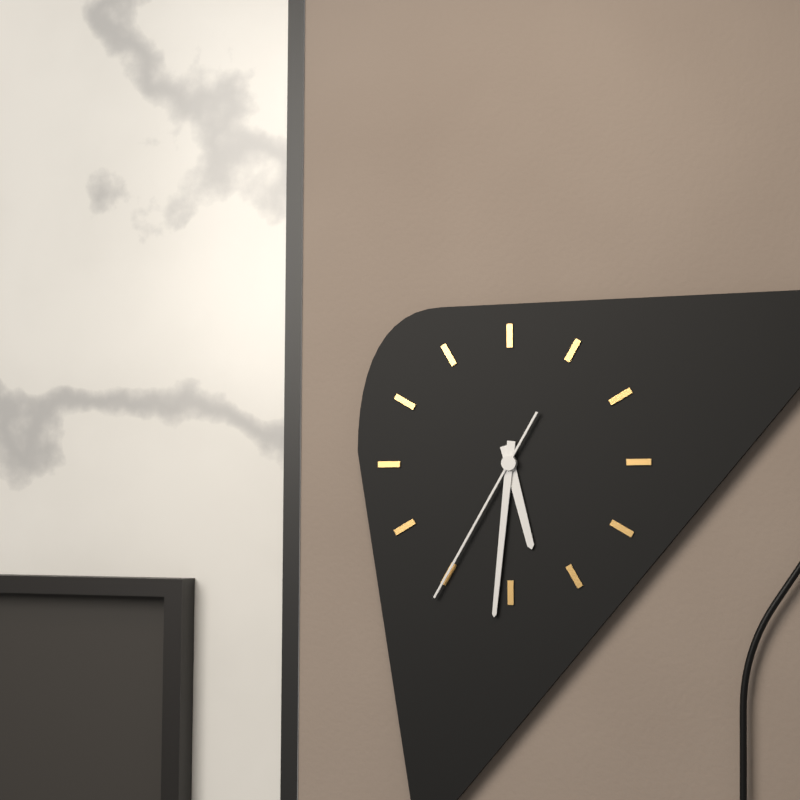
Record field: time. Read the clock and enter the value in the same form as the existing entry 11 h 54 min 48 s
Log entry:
5 h 31 min 35 s
